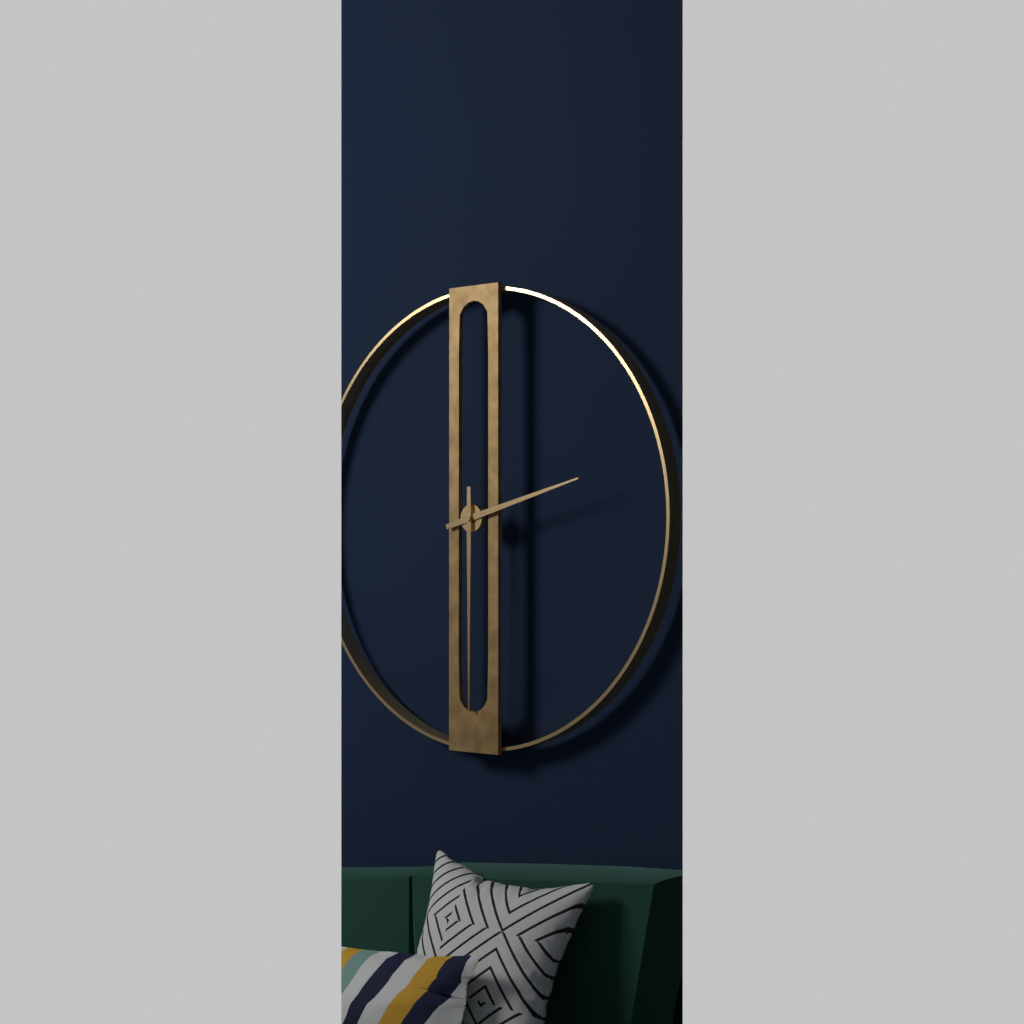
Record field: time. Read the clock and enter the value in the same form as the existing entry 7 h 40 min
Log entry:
2 h 30 min
